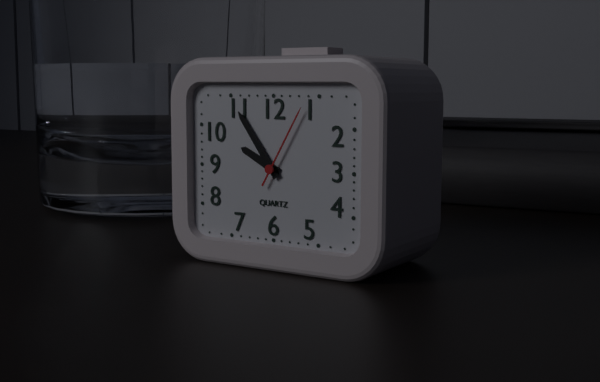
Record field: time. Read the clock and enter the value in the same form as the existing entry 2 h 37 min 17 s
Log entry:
9 h 54 min 05 s
